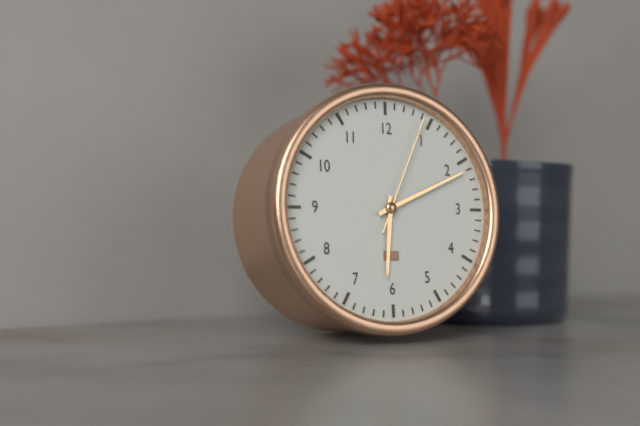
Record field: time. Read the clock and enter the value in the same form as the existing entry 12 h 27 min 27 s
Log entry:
6 h 11 min 04 s
